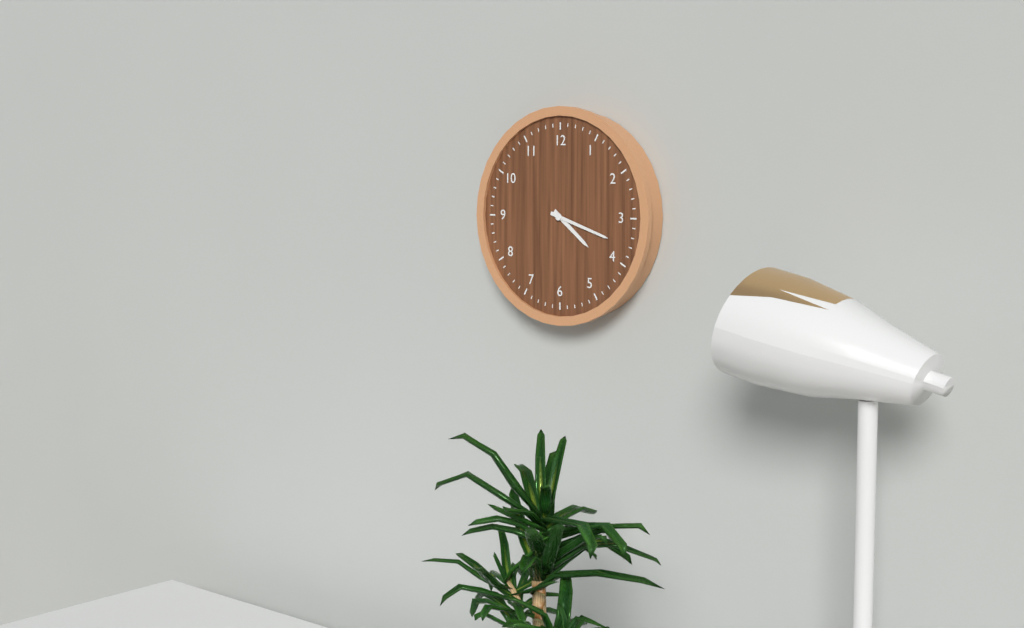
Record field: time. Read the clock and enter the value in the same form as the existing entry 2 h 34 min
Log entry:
4 h 18 min
